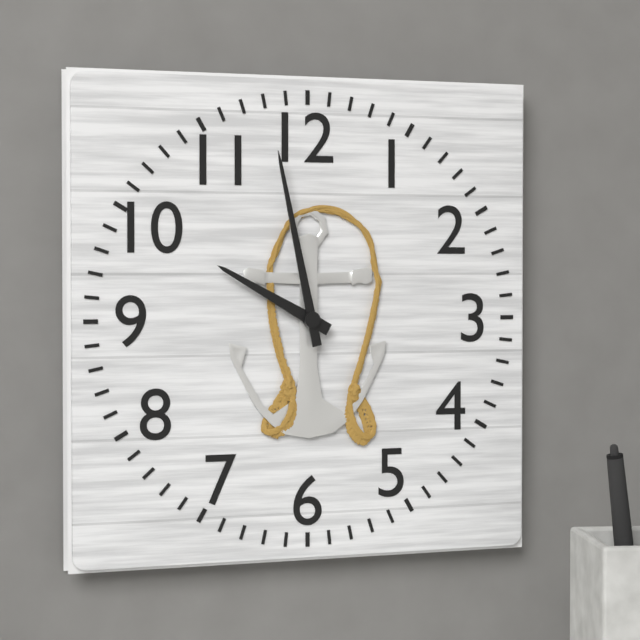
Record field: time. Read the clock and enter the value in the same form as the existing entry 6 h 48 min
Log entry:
9 h 58 min
